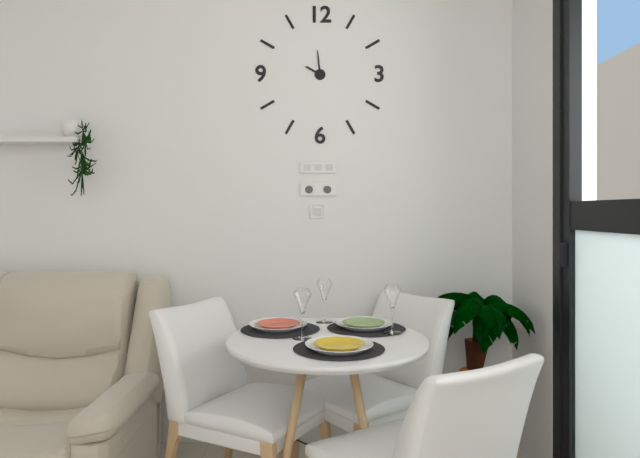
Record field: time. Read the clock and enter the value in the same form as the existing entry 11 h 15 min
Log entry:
9 h 59 min
